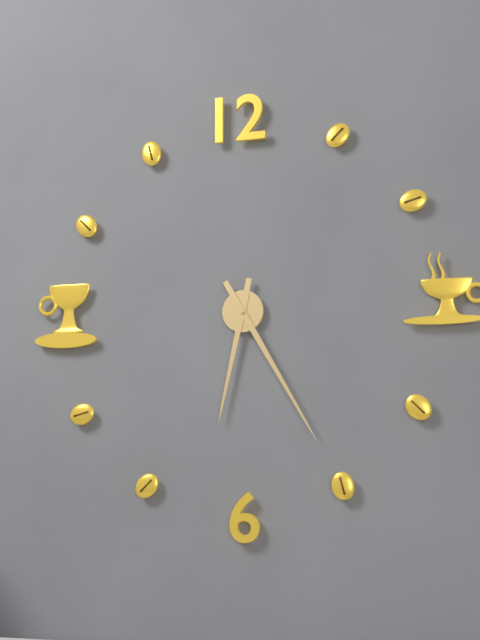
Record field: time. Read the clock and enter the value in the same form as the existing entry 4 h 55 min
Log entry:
6 h 25 min
